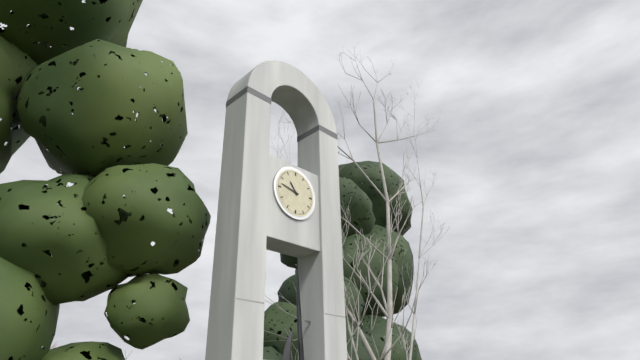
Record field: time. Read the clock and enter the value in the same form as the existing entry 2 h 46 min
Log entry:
10 h 47 min
